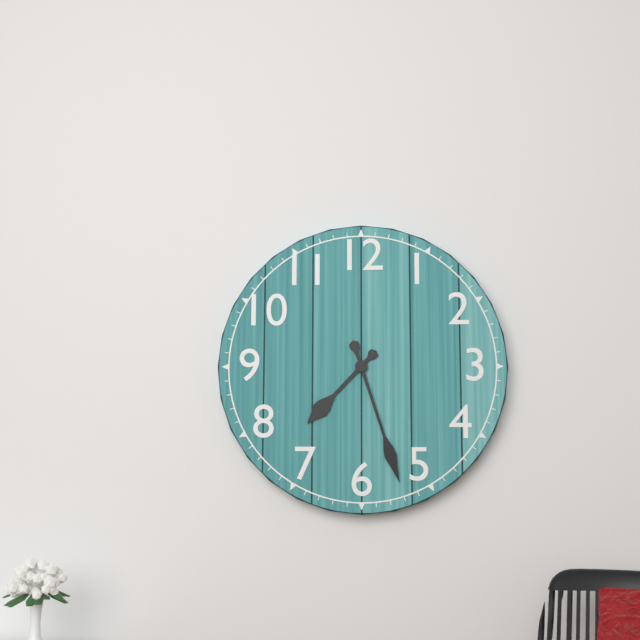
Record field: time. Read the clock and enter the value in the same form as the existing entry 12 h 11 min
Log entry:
7 h 27 min
